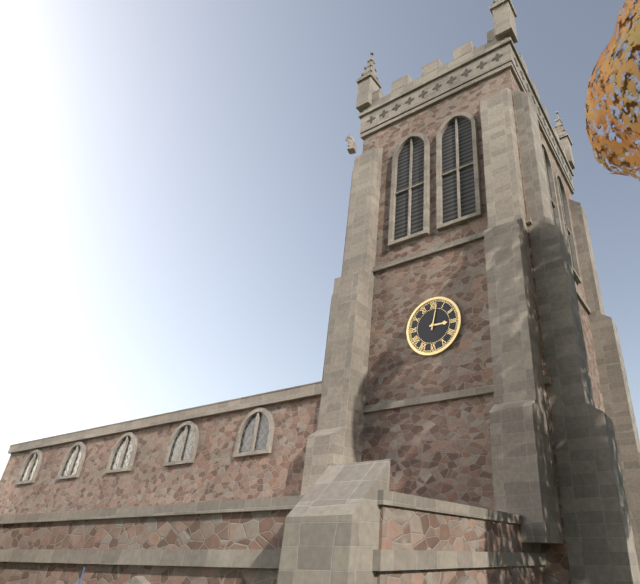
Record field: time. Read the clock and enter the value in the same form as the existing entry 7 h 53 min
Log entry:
3 h 02 min
